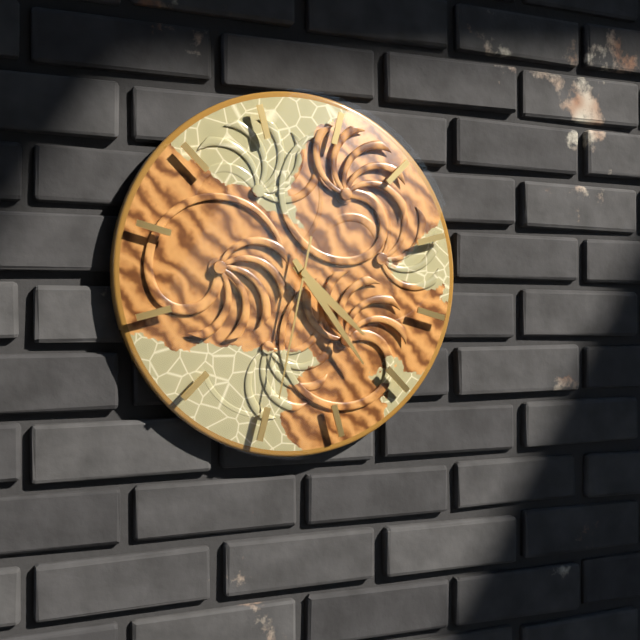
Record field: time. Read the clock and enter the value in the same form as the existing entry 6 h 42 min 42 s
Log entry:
4 h 24 min 32 s
